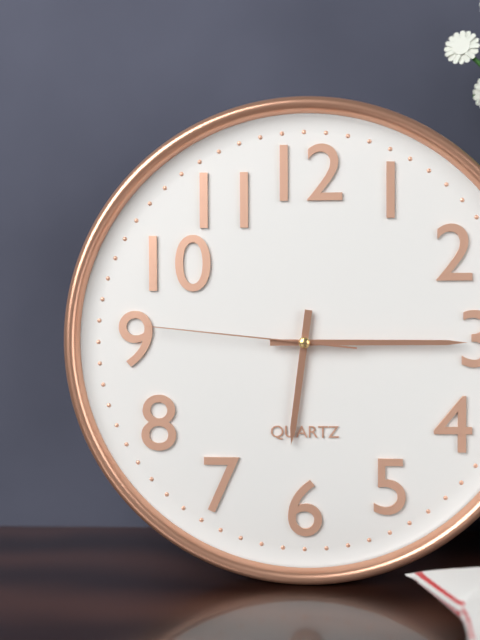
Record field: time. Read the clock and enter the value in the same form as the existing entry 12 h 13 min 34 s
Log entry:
6 h 15 min 46 s
